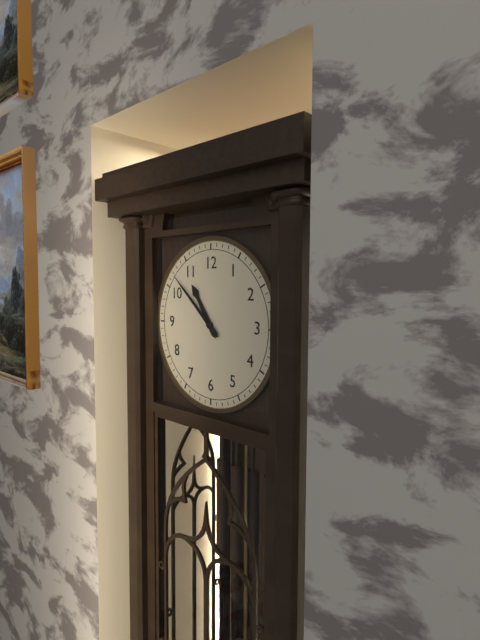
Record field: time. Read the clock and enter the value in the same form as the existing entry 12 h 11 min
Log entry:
10 h 52 min
